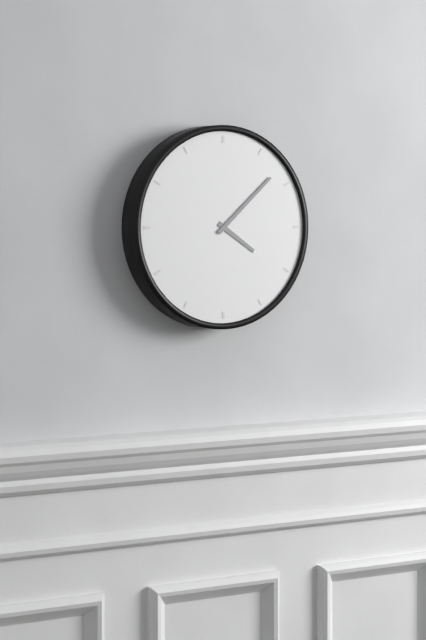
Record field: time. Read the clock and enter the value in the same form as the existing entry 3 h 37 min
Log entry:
4 h 08 min
